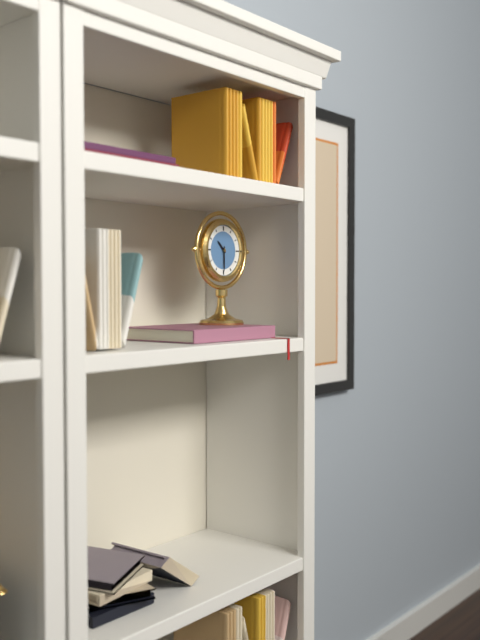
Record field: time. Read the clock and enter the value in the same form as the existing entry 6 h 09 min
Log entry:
10 h 30 min
